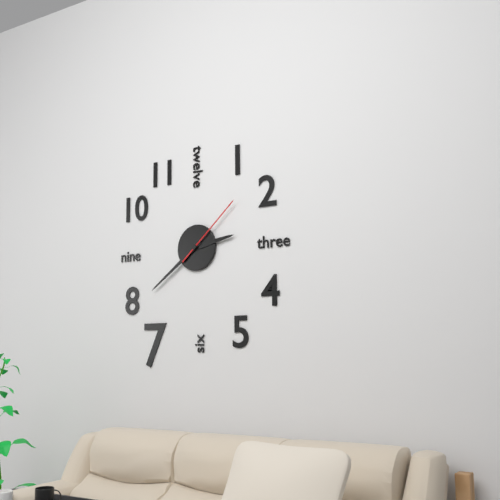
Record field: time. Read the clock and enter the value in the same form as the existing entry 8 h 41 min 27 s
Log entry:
2 h 39 min 08 s
